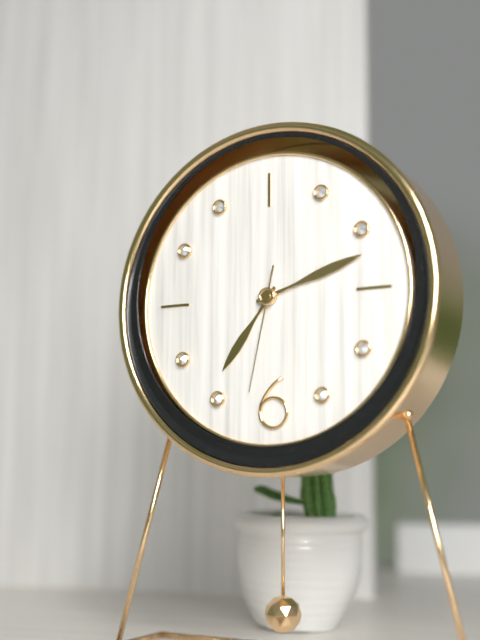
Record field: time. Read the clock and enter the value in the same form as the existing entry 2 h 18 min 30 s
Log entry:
7 h 12 min 32 s
